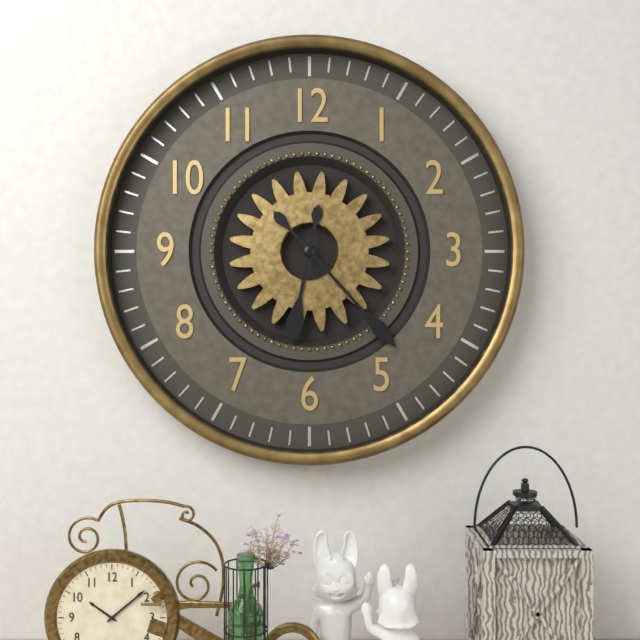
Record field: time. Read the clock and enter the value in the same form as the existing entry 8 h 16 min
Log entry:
6 h 23 min
